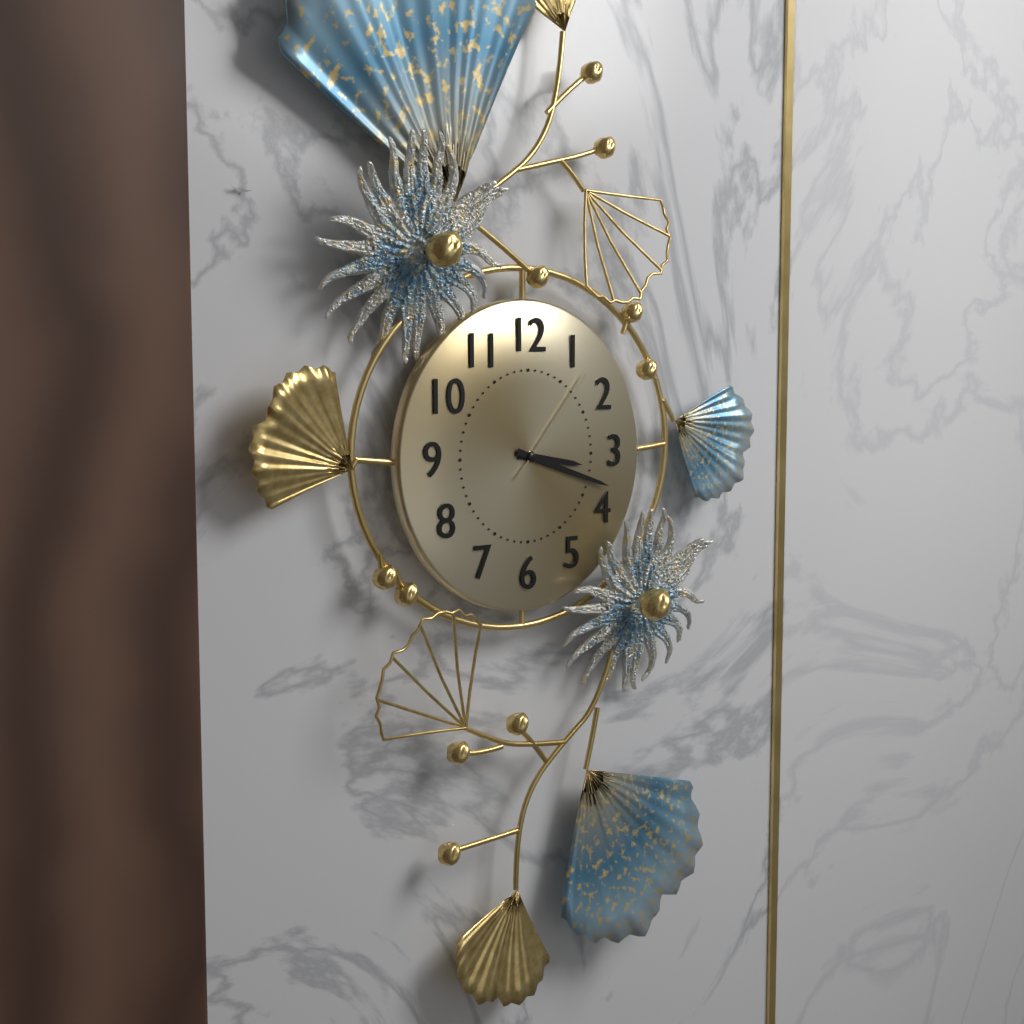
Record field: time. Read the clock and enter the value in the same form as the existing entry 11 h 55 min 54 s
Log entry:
3 h 18 min 07 s
